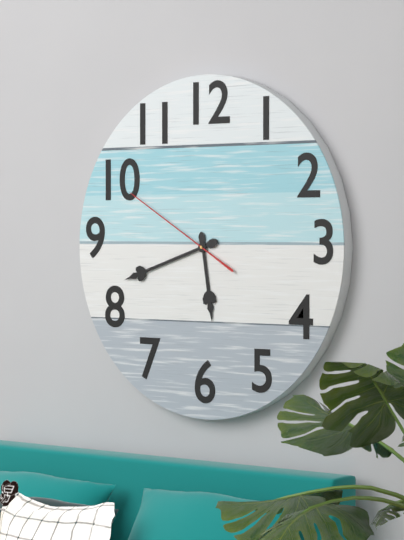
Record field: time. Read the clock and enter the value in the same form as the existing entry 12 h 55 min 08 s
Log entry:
5 h 42 min 50 s
